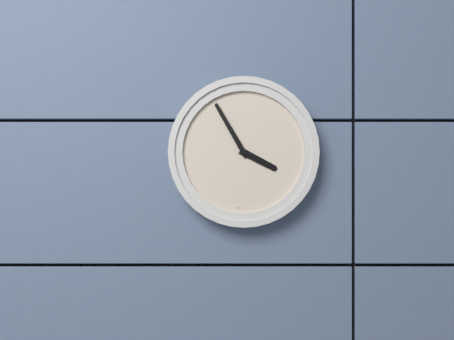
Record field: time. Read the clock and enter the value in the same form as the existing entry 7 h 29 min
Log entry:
3 h 55 min
